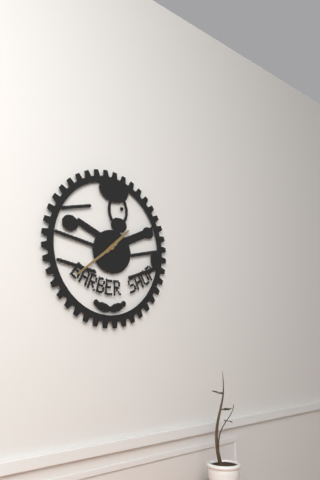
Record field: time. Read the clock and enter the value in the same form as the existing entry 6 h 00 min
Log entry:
1 h 39 min
